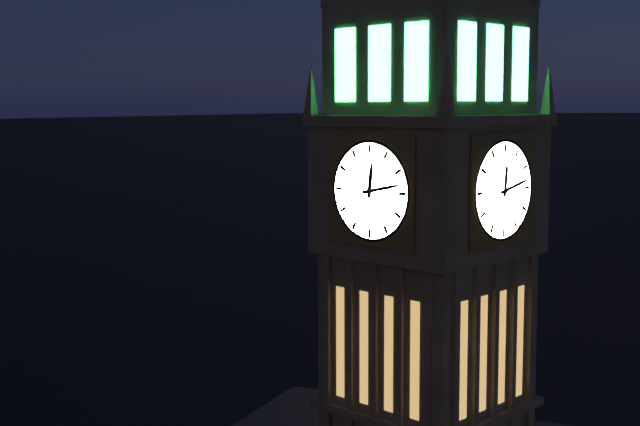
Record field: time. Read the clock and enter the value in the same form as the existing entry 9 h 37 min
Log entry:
12 h 13 min
